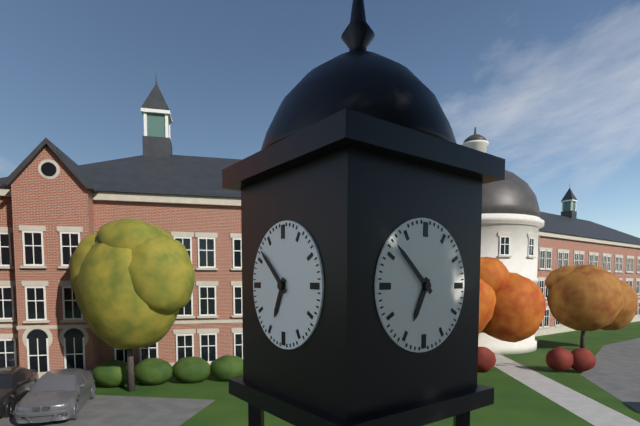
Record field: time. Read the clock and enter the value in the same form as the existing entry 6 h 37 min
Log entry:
6 h 52 min
